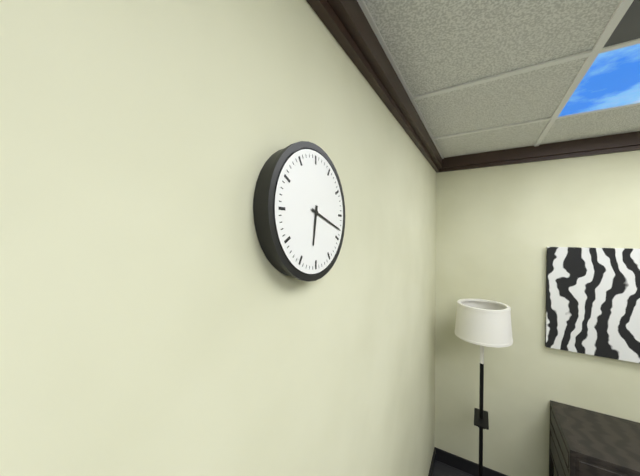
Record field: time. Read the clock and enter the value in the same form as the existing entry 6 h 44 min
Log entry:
6 h 18 min
